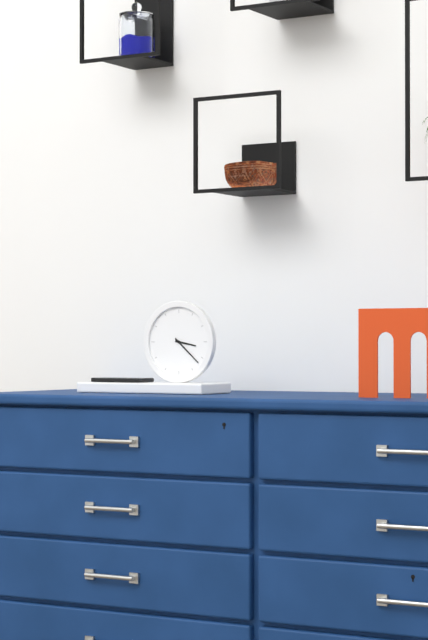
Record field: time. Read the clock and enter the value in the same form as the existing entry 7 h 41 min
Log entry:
3 h 22 min
